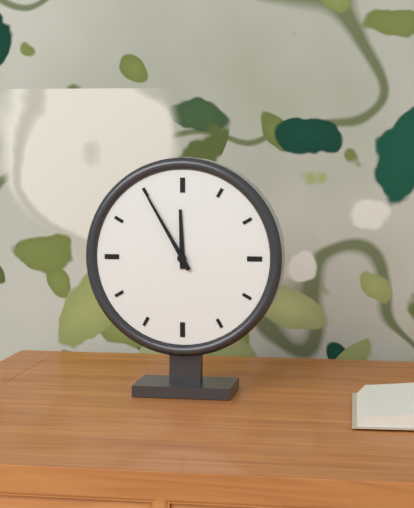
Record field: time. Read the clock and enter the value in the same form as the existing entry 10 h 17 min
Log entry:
11 h 55 min
